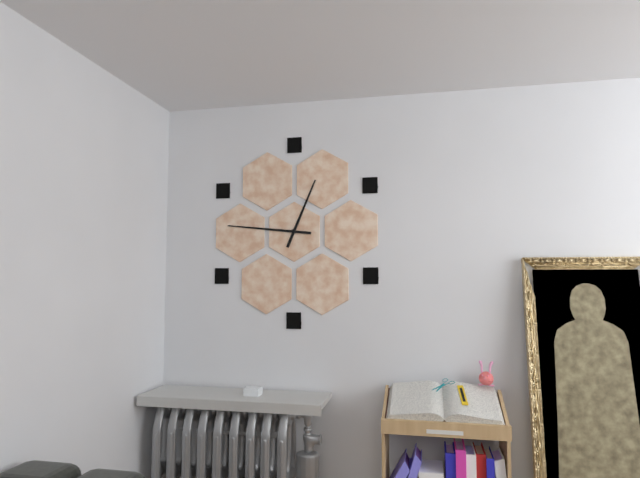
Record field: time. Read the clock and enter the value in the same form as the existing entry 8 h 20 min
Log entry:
12 h 46 min
